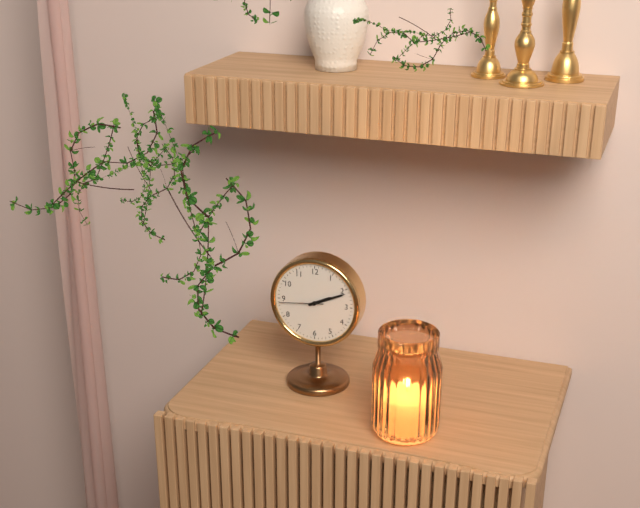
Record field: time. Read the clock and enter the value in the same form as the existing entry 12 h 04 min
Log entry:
2 h 11 min
